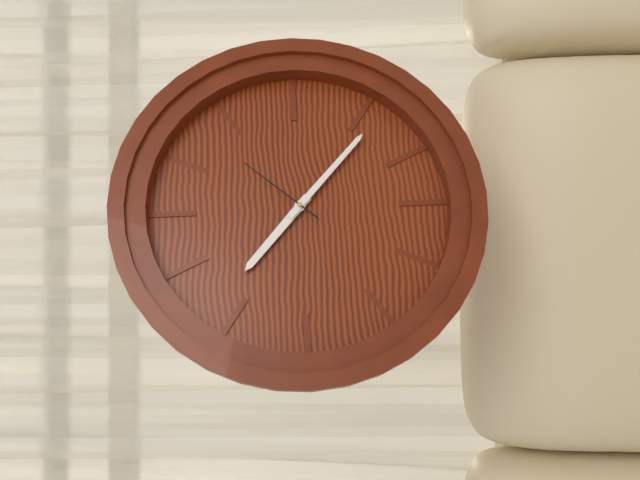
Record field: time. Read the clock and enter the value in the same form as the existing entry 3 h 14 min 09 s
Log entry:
10 h 22 min 07 s
